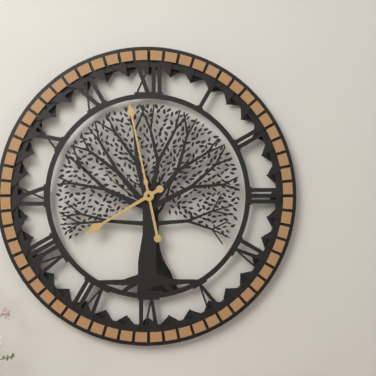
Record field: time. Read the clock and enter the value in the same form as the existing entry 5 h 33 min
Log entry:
7 h 58 min
